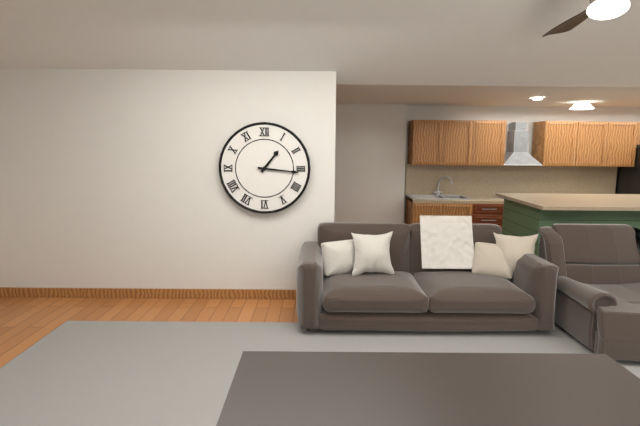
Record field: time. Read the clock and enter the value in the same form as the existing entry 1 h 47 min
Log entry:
1 h 16 min
